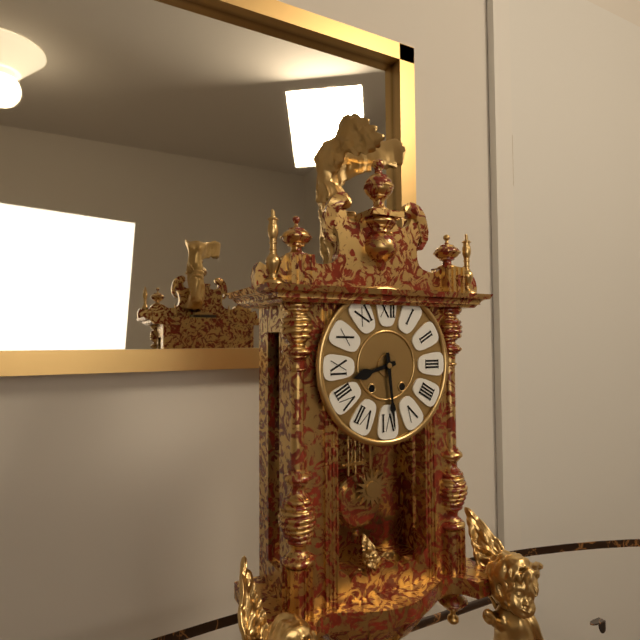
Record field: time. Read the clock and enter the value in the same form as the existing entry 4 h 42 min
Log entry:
8 h 29 min
